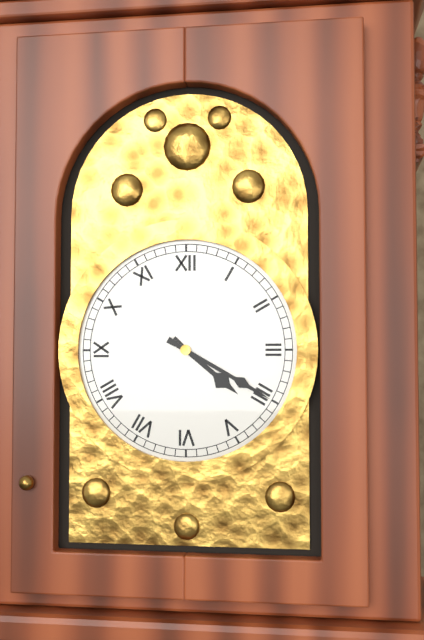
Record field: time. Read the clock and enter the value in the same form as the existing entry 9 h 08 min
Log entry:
4 h 20 min
